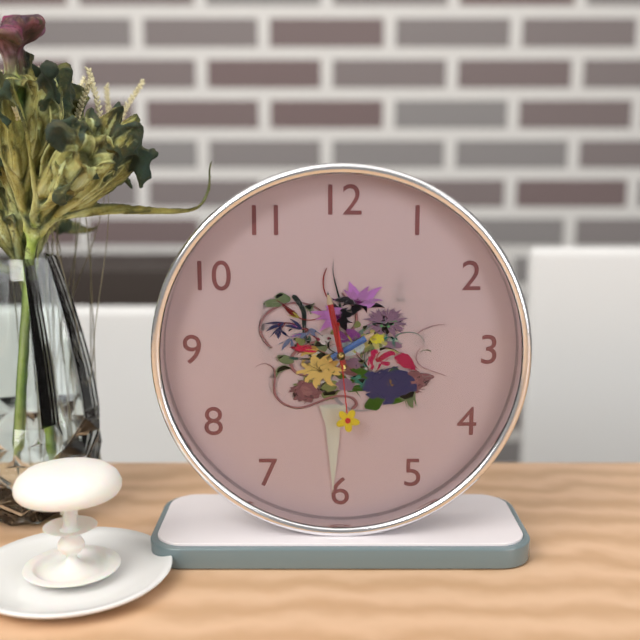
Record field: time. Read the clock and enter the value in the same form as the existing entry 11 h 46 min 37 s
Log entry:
1 h 58 min 29 s
